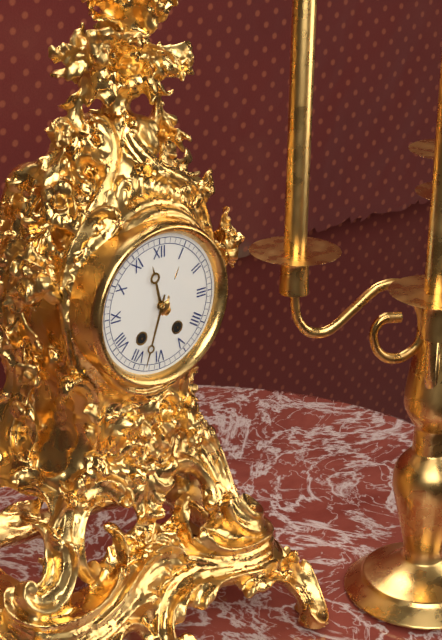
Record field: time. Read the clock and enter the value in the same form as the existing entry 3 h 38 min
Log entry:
11 h 33 min
